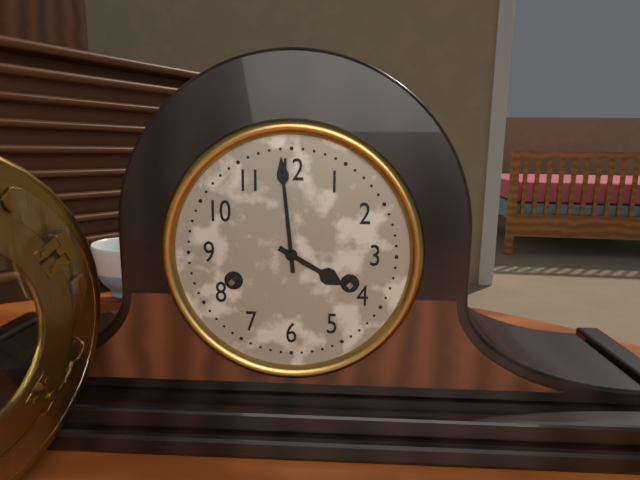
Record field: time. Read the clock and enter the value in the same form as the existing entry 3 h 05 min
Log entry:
3 h 59 min
